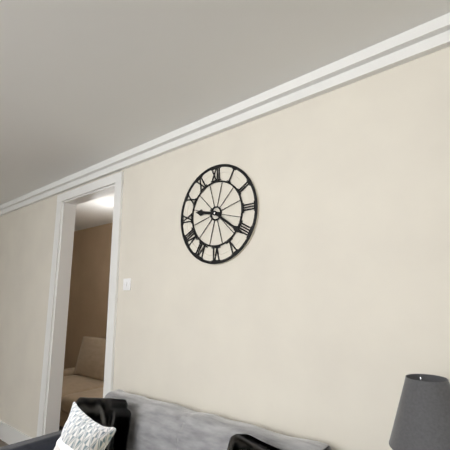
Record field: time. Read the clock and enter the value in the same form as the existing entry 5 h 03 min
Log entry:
9 h 21 min
